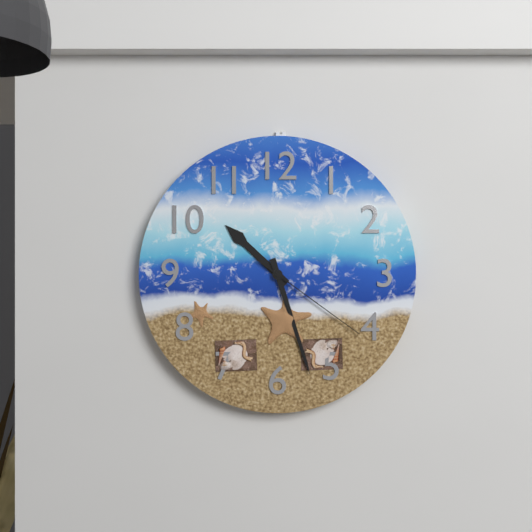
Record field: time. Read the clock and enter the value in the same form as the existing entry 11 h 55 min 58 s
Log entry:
10 h 27 min 21 s
